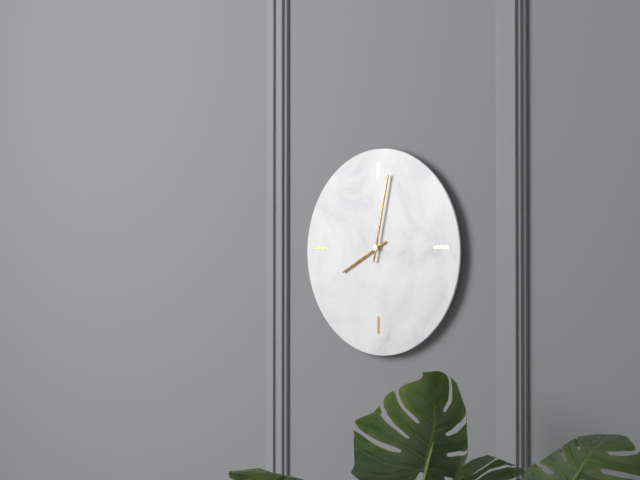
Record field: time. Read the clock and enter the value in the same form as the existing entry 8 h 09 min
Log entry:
8 h 02 min
